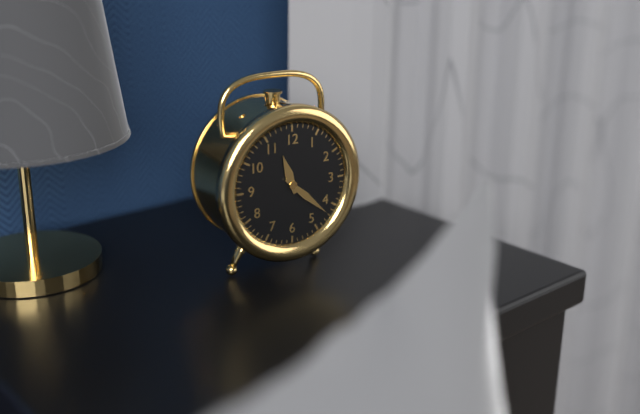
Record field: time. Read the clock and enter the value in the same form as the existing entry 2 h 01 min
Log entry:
11 h 22 min
